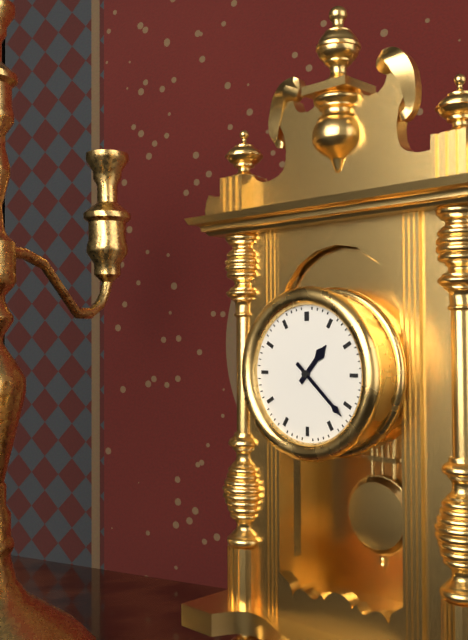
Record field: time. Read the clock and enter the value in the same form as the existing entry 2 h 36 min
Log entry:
1 h 22 min
